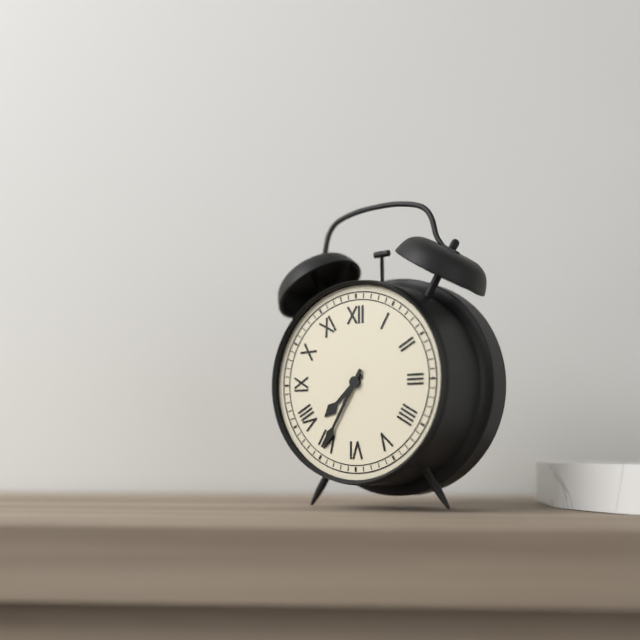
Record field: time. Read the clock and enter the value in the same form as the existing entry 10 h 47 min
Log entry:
7 h 35 min
